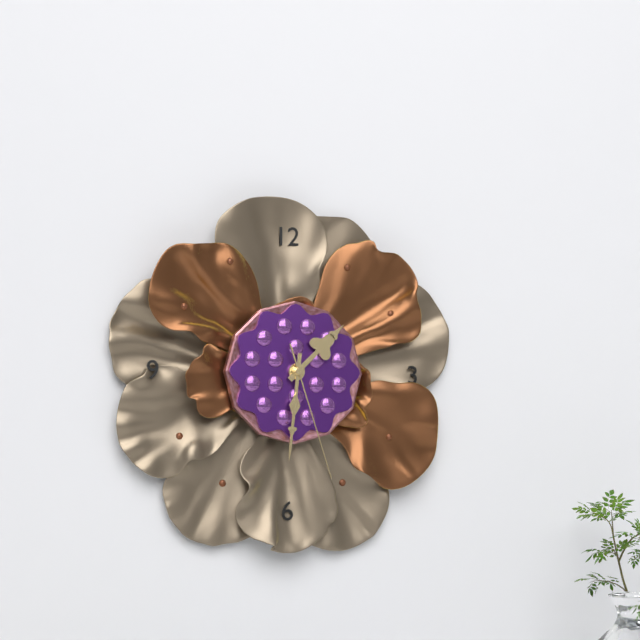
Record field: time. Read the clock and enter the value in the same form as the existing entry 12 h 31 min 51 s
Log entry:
1 h 31 min 27 s
